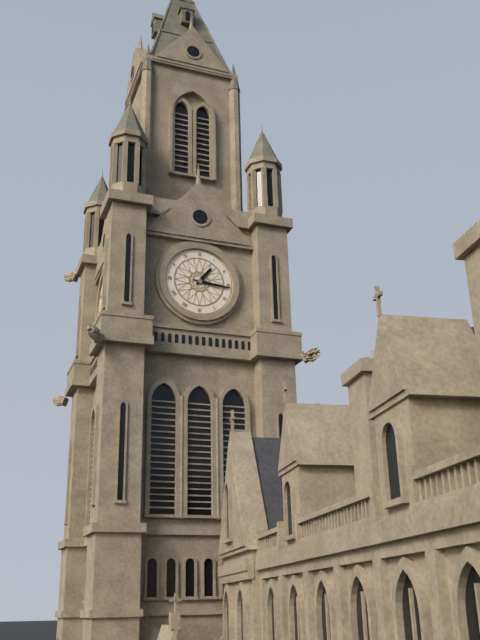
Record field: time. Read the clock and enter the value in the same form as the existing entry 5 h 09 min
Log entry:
1 h 16 min
